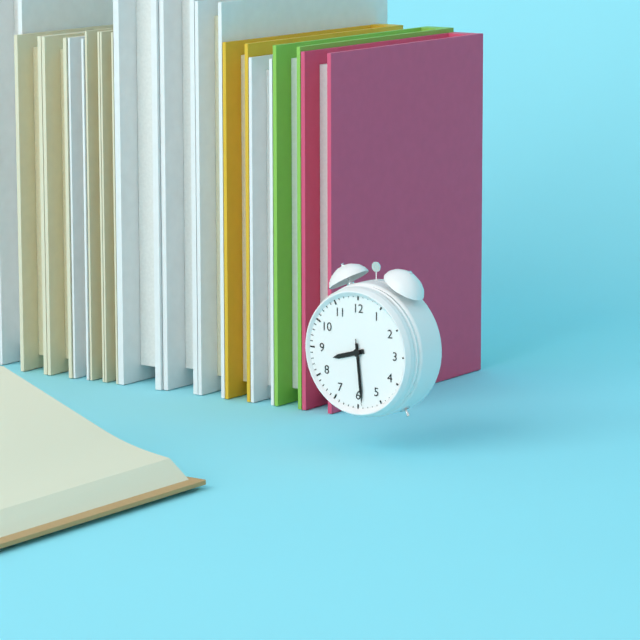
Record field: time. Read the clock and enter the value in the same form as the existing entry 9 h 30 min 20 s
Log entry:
8 h 29 min 29 s
